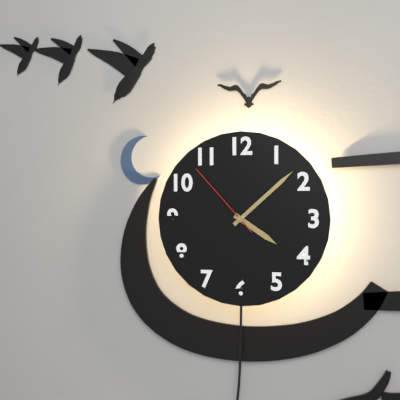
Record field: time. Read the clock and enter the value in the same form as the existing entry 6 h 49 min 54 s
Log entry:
4 h 08 min 53 s
